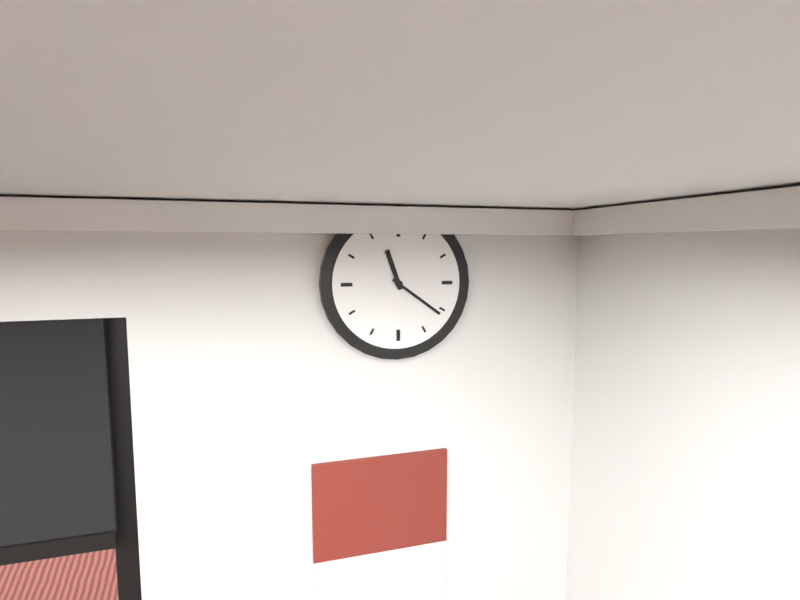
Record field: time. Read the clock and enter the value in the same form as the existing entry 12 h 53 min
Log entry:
11 h 21 min
